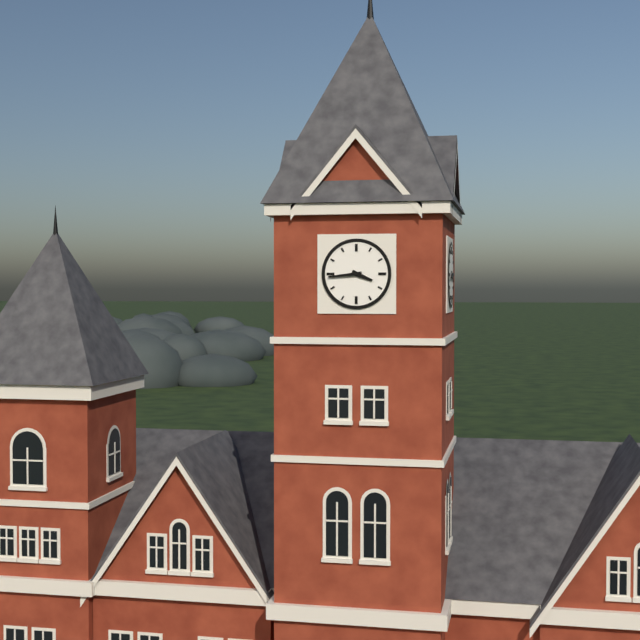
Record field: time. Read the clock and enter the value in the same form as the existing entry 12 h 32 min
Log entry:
3 h 44 min
